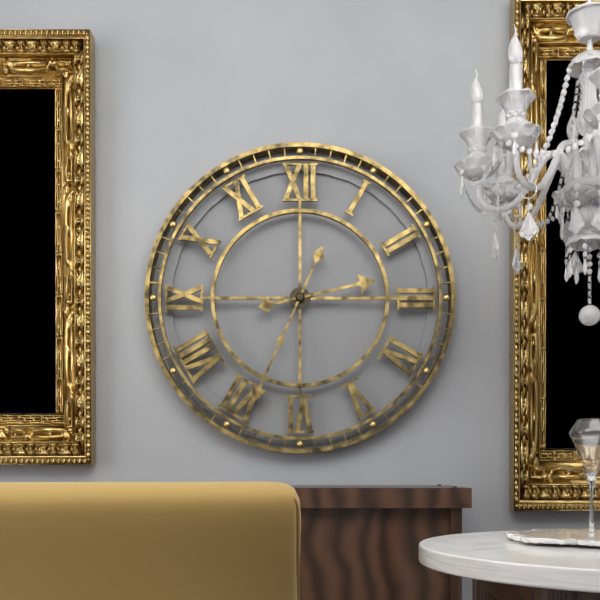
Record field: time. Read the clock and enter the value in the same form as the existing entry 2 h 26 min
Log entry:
2 h 34 min
